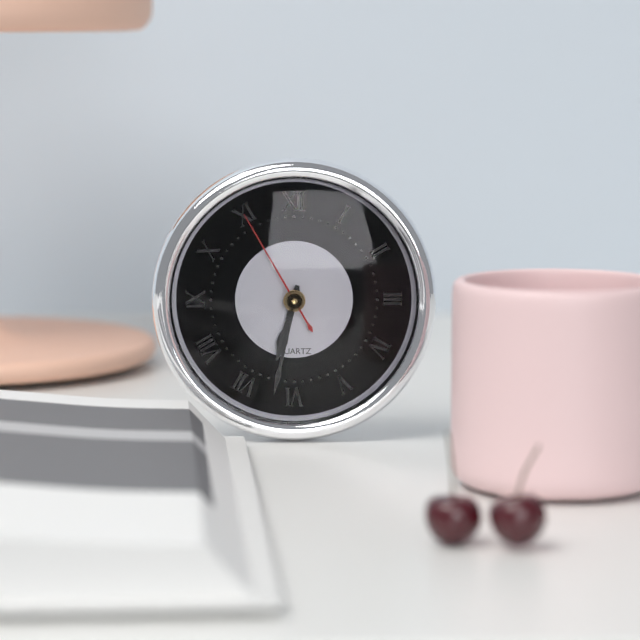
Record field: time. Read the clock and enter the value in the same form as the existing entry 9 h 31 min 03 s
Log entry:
6 h 32 min 55 s
